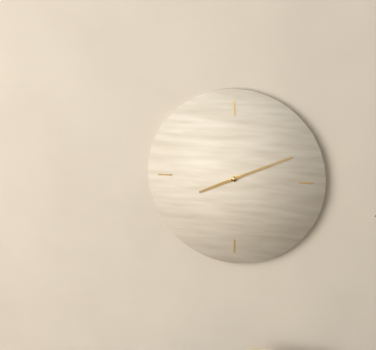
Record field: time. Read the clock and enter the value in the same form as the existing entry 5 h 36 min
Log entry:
8 h 11 min
